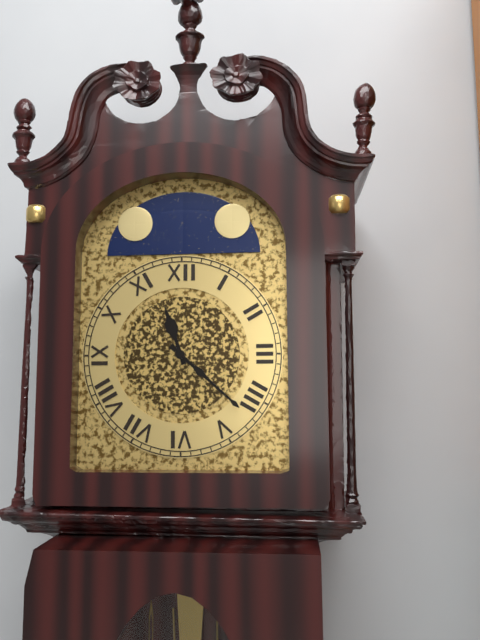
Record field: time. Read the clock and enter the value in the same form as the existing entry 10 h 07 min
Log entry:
11 h 22 min
